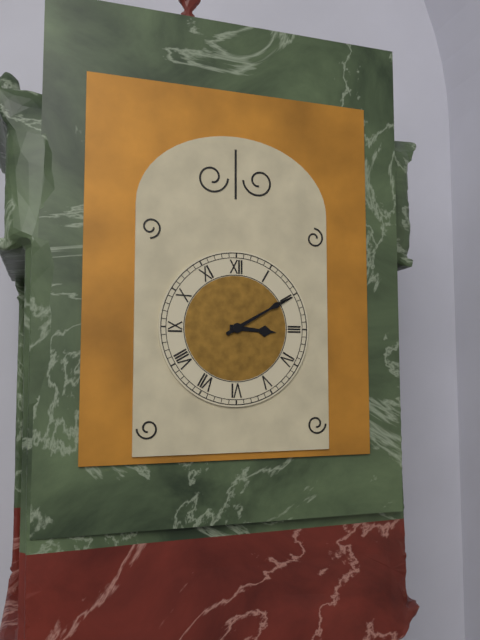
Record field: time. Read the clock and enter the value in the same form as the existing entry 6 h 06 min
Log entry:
3 h 10 min
